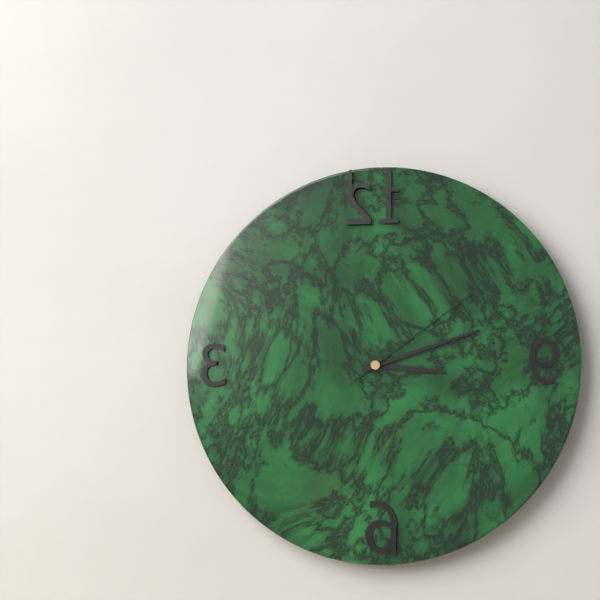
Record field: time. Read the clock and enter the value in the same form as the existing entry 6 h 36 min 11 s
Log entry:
3 h 12 min 09 s
